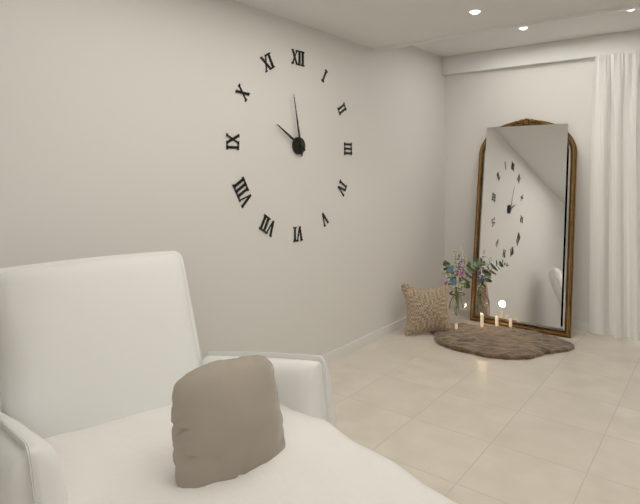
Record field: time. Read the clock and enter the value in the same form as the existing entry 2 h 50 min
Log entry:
9 h 58 min
